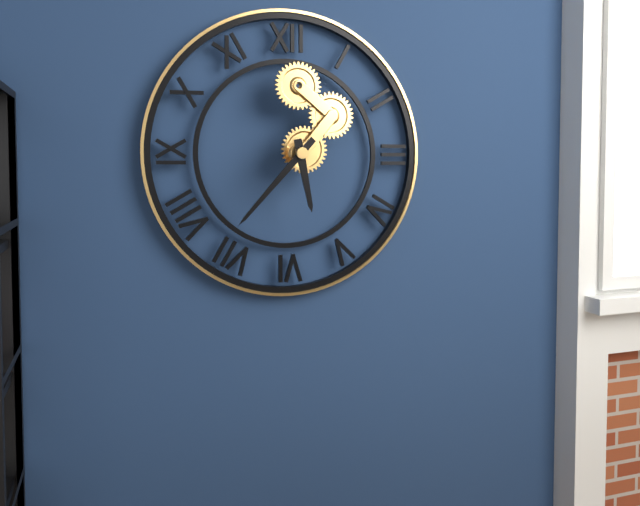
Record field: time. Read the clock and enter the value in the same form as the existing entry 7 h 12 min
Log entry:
5 h 37 min
